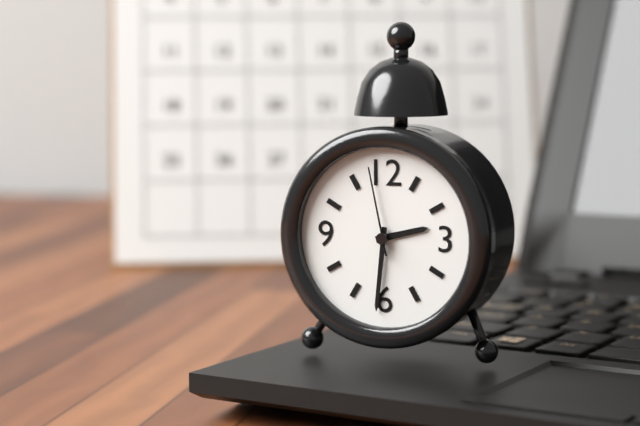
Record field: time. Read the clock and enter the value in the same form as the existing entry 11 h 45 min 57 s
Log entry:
2 h 31 min 58 s
